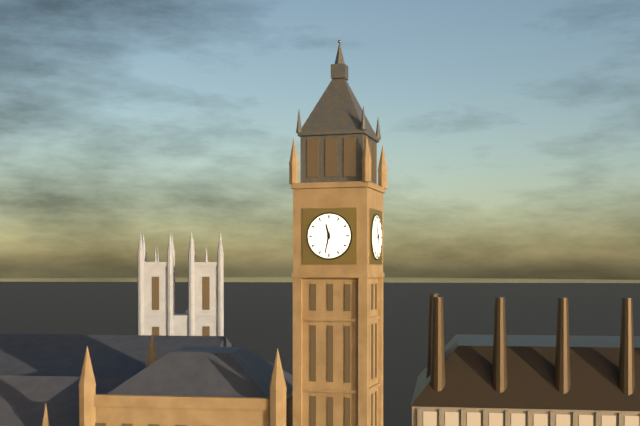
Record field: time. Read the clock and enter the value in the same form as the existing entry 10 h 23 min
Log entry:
11 h 32 min
